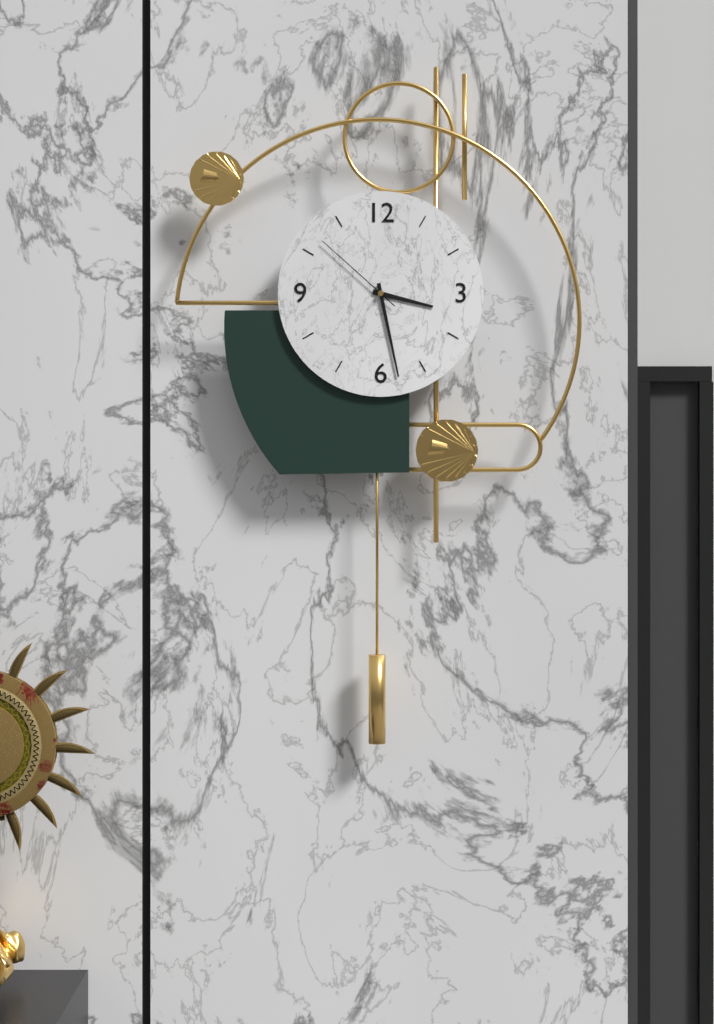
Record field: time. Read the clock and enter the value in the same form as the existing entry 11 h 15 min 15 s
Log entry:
3 h 28 min 52 s
